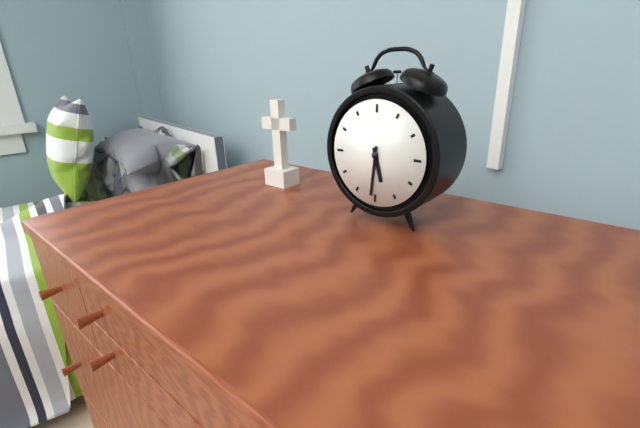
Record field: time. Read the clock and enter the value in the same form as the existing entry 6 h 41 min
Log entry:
5 h 31 min
